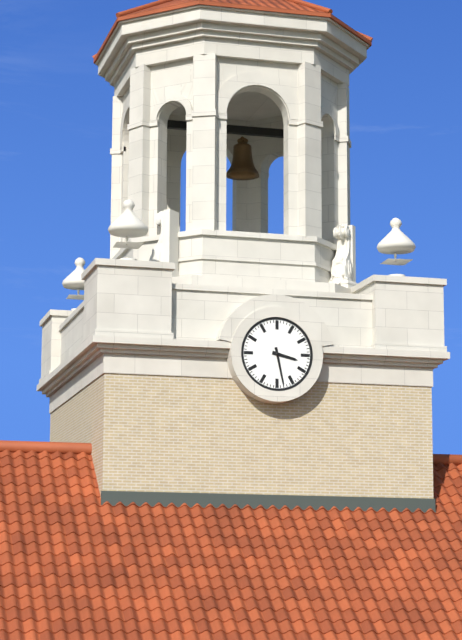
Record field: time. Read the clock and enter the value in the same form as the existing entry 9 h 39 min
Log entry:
3 h 28 min
